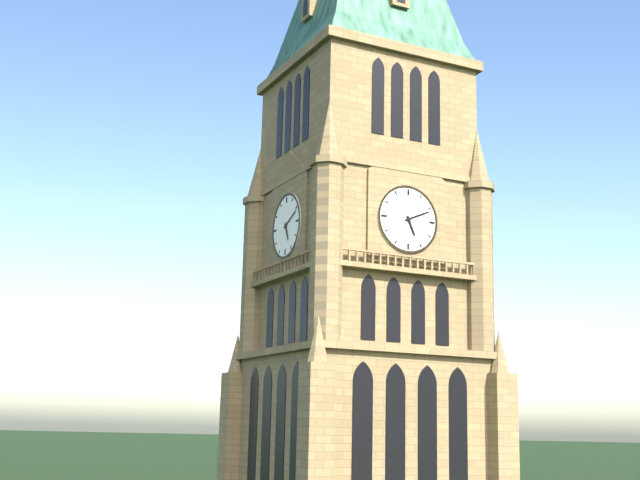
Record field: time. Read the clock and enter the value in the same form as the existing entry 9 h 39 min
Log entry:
5 h 11 min
